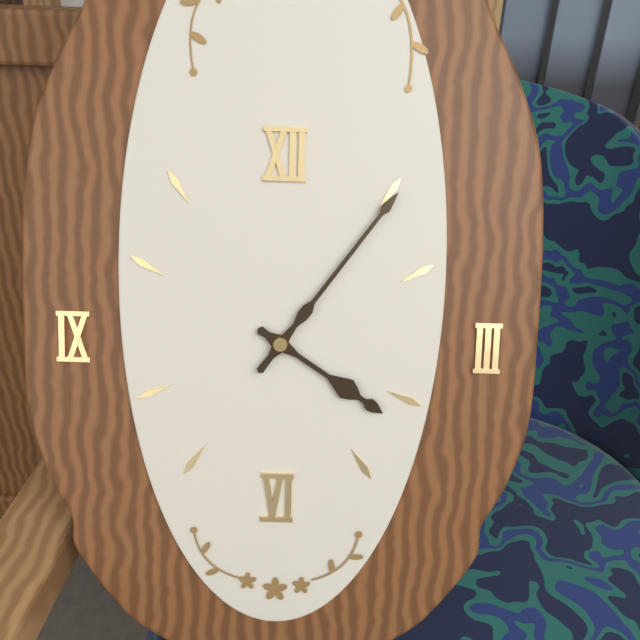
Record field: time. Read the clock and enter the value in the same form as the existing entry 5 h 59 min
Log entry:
4 h 06 min
